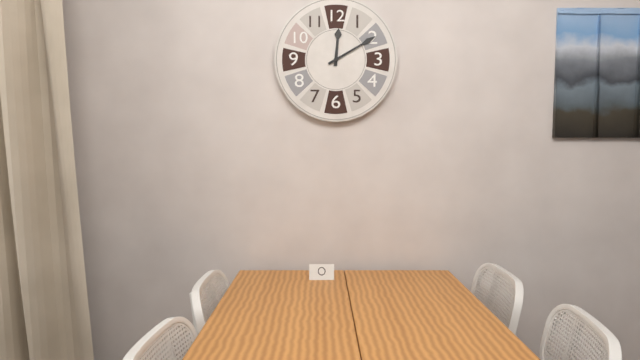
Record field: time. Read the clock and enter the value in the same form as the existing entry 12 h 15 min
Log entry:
12 h 10 min
